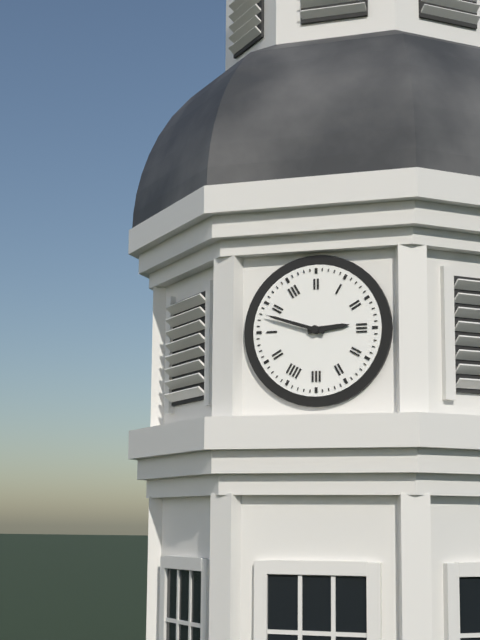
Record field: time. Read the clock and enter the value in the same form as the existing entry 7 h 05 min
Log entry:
2 h 48 min
